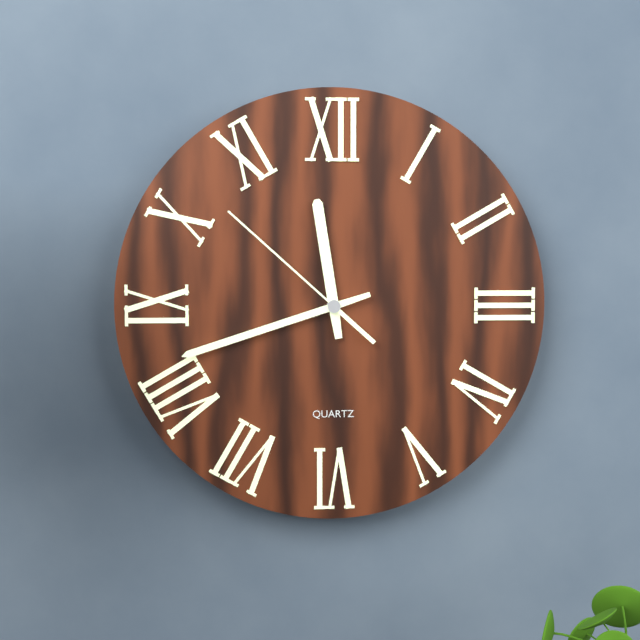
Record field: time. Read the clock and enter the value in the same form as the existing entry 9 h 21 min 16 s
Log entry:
11 h 42 min 52 s
